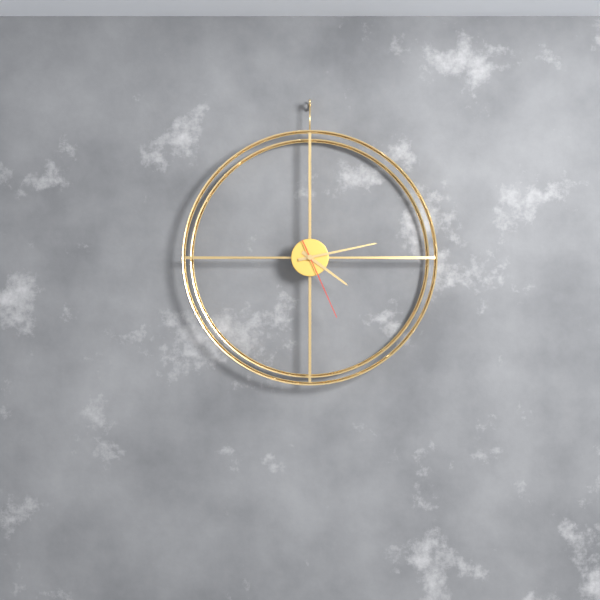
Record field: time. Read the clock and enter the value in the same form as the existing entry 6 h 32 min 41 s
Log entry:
4 h 13 min 26 s
